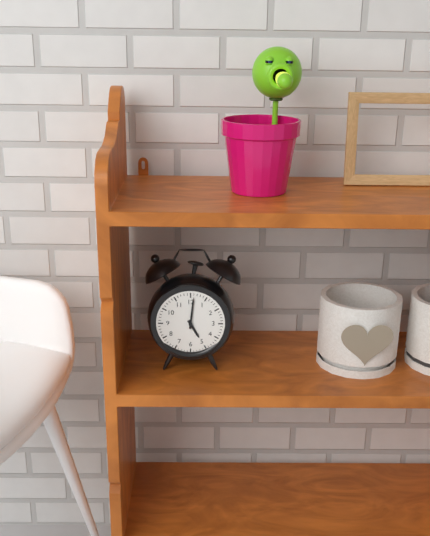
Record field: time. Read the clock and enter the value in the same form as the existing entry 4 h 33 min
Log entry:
5 h 01 min
